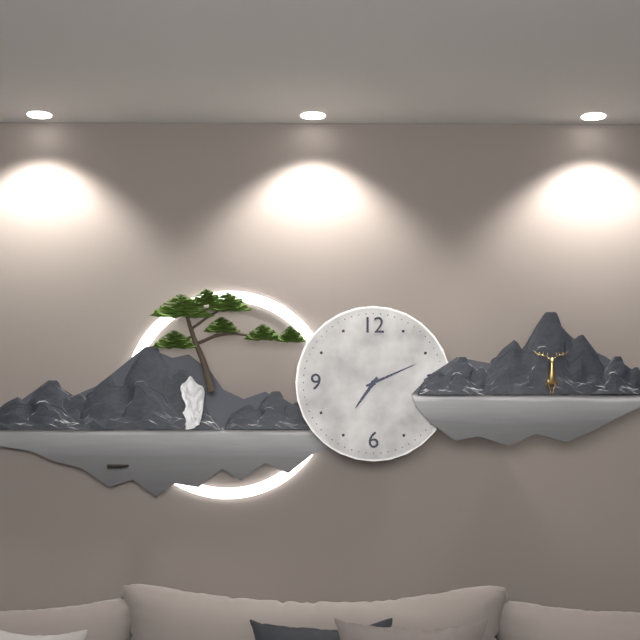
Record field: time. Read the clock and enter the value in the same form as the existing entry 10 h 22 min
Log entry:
7 h 11 min
